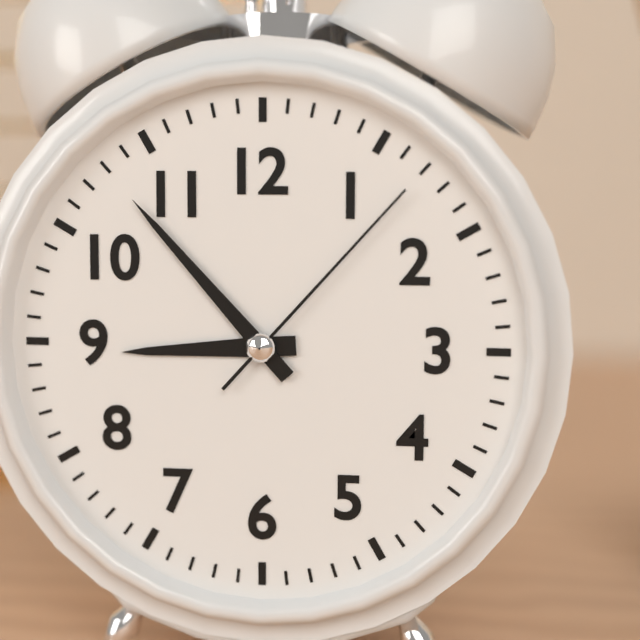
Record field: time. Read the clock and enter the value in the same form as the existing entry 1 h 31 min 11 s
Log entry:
8 h 53 min 07 s
